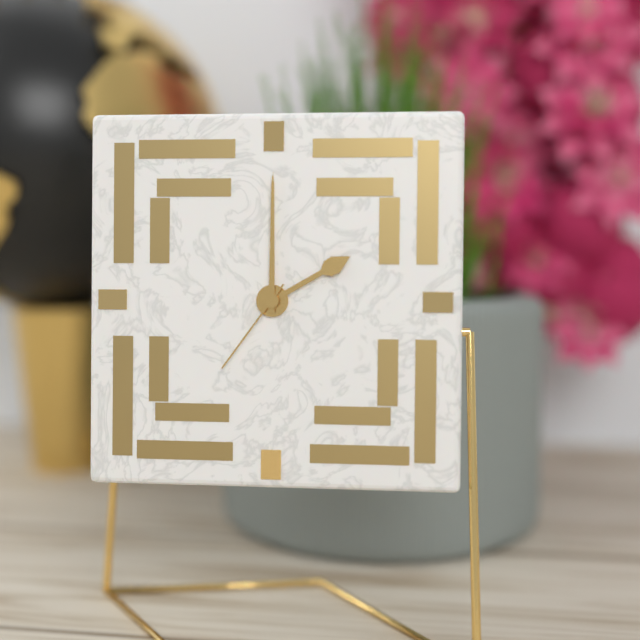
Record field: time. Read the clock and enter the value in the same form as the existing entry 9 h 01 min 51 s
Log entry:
2 h 00 min 36 s
